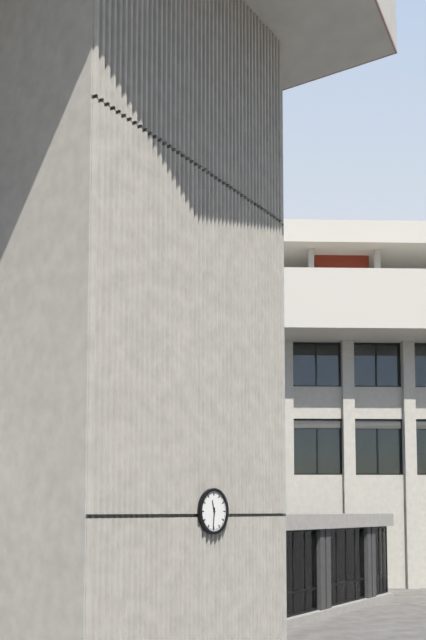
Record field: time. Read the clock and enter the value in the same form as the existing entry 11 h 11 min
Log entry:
11 h 31 min
